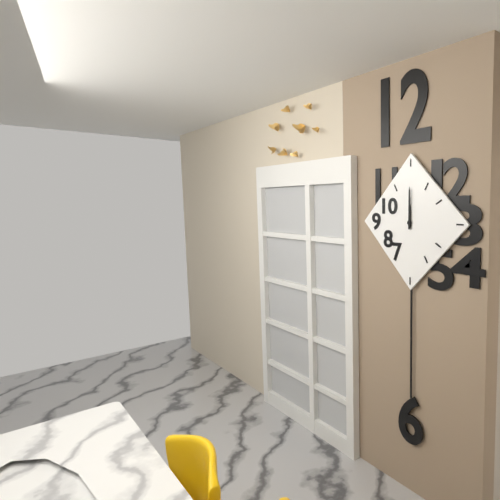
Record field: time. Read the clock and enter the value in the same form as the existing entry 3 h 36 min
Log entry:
12 h 00 min
